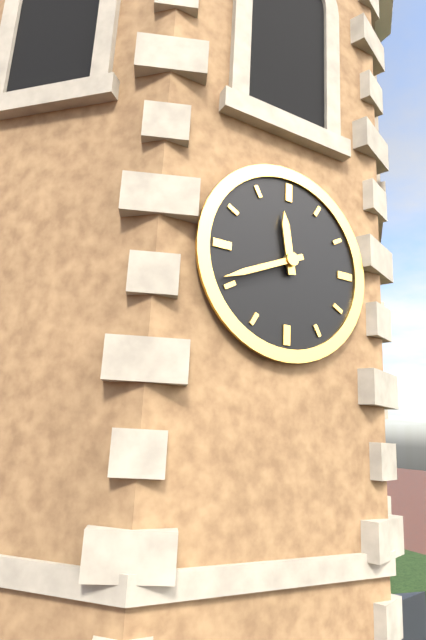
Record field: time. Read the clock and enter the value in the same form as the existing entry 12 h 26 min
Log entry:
11 h 41 min
